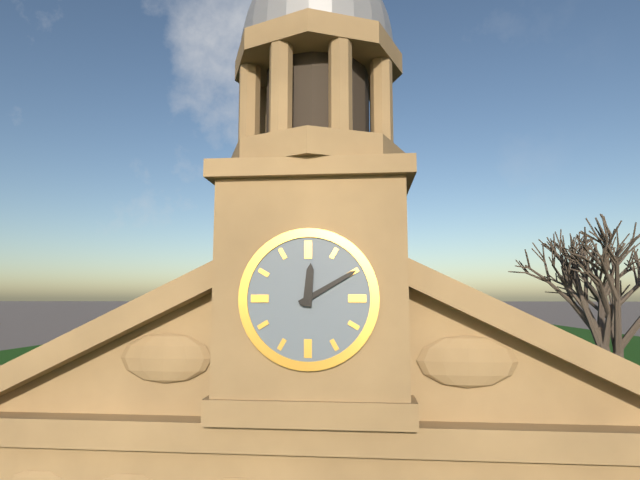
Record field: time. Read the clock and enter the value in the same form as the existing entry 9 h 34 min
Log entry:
12 h 10 min
